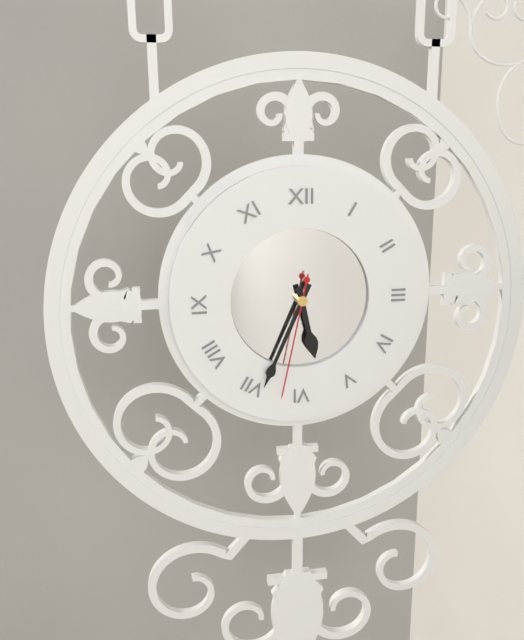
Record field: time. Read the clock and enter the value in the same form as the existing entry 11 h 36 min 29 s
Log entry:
5 h 34 min 32 s
